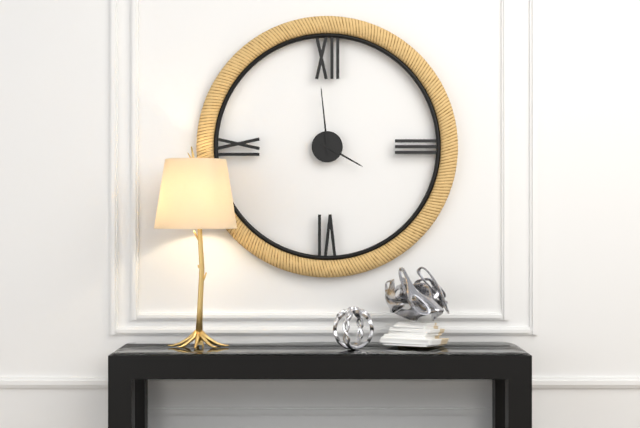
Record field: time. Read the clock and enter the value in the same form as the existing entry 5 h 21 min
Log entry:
3 h 59 min
